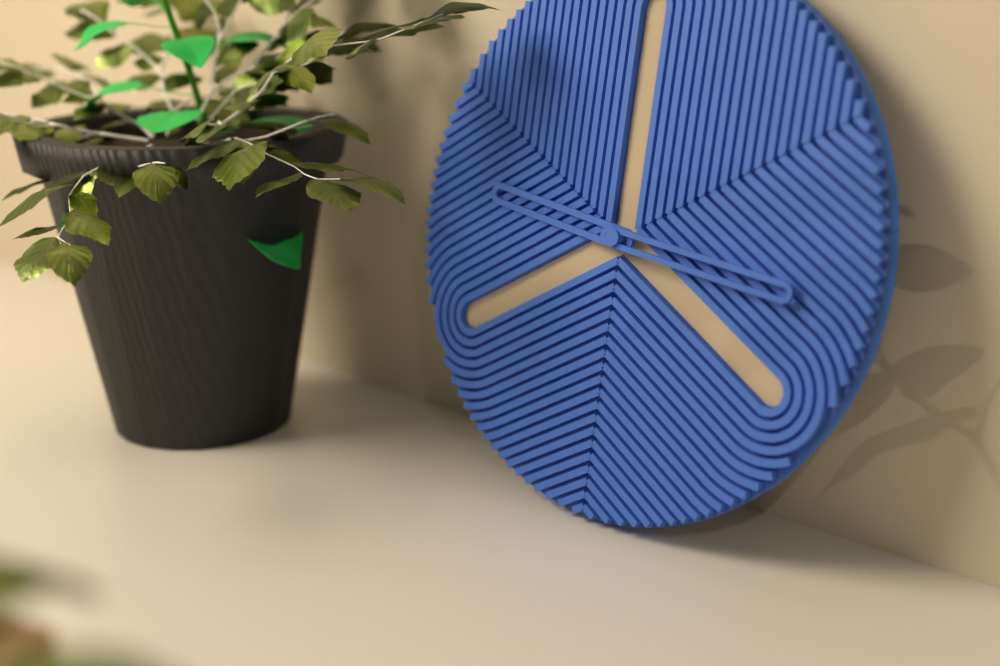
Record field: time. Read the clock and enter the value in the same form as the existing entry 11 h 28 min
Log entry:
9 h 16 min
